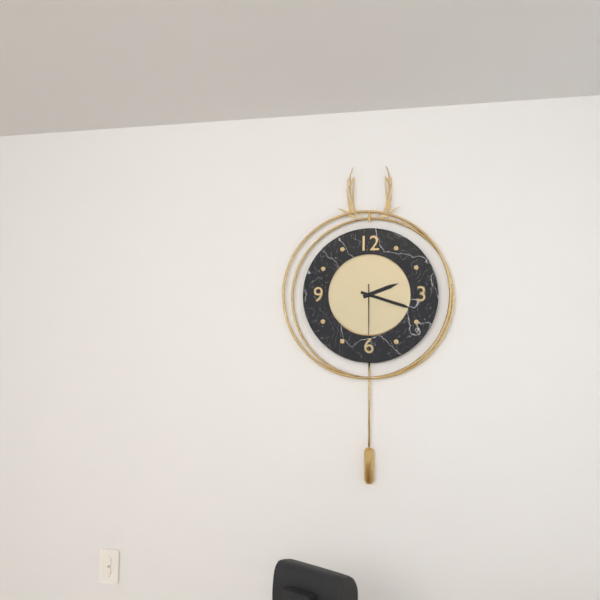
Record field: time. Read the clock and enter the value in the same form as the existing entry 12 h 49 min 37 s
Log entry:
2 h 18 min 30 s
